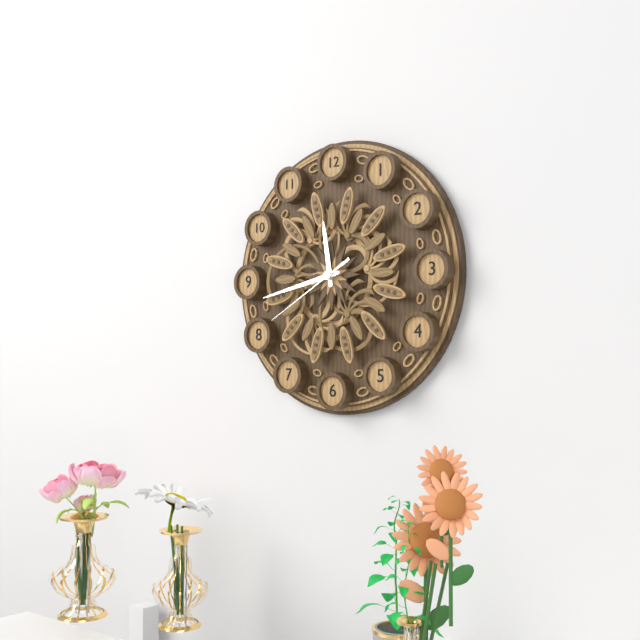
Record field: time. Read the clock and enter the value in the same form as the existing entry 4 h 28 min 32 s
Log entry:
11 h 43 min 40 s
